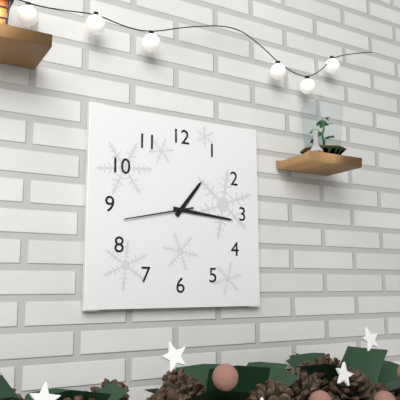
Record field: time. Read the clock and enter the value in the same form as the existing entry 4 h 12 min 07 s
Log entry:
1 h 16 min 43 s
